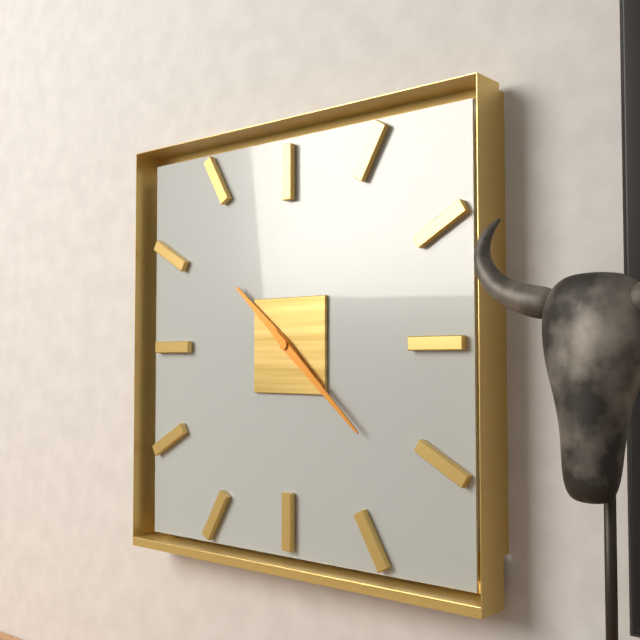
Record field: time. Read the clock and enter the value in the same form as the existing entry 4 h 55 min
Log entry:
10 h 22 min
